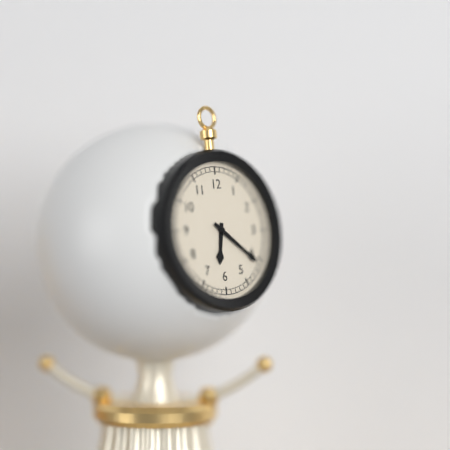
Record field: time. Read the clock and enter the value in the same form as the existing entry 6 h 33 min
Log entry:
6 h 21 min
